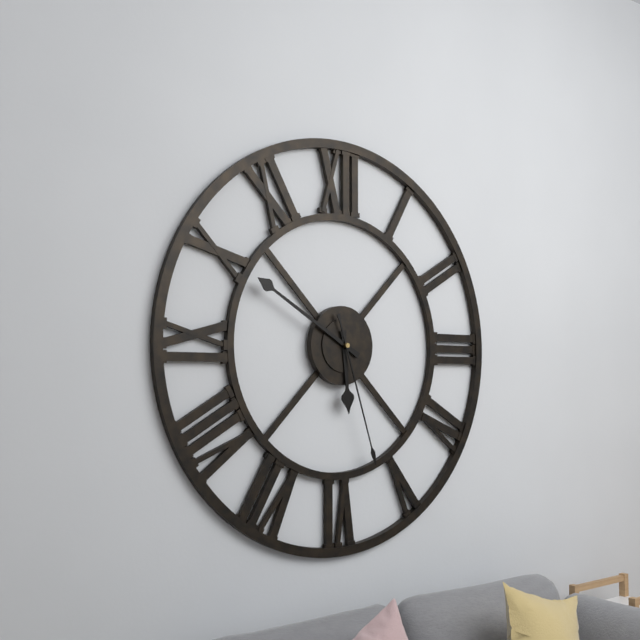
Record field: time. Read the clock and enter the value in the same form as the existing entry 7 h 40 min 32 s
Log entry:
5 h 50 min 27 s
